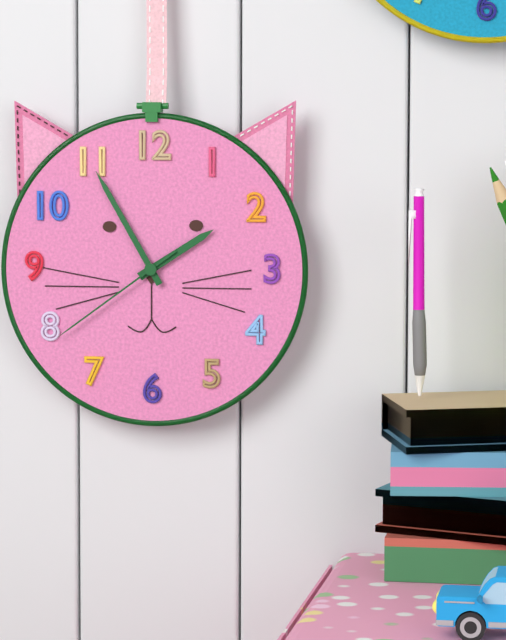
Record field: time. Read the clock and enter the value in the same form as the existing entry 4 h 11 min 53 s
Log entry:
1 h 55 min 39 s
